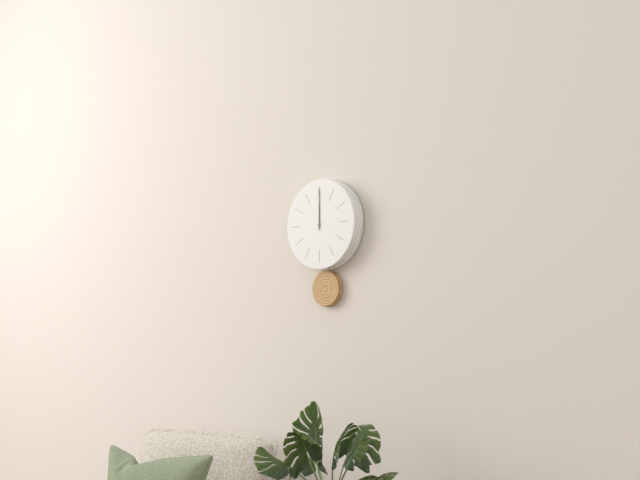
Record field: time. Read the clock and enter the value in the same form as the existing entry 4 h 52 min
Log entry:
12 h 00 min
